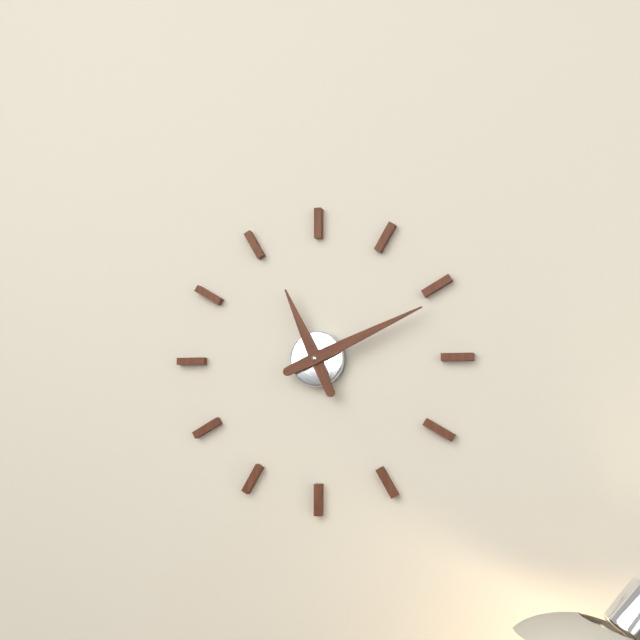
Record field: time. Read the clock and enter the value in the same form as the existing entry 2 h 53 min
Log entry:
11 h 11 min
